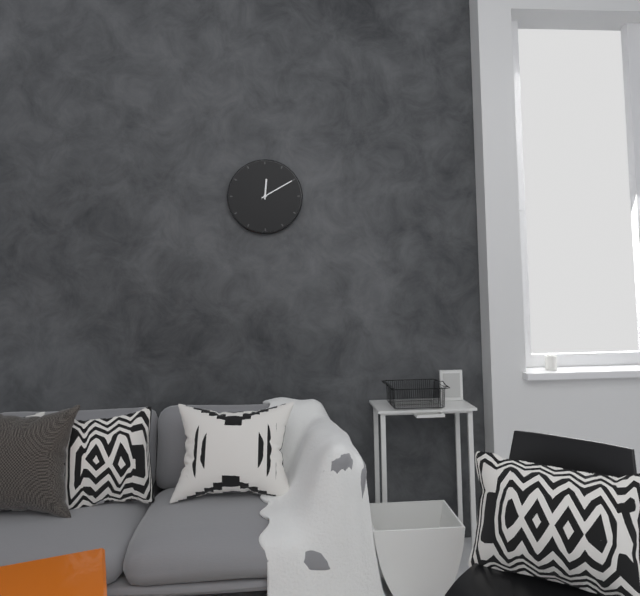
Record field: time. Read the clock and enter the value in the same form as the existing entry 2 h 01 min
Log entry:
12 h 10 min
